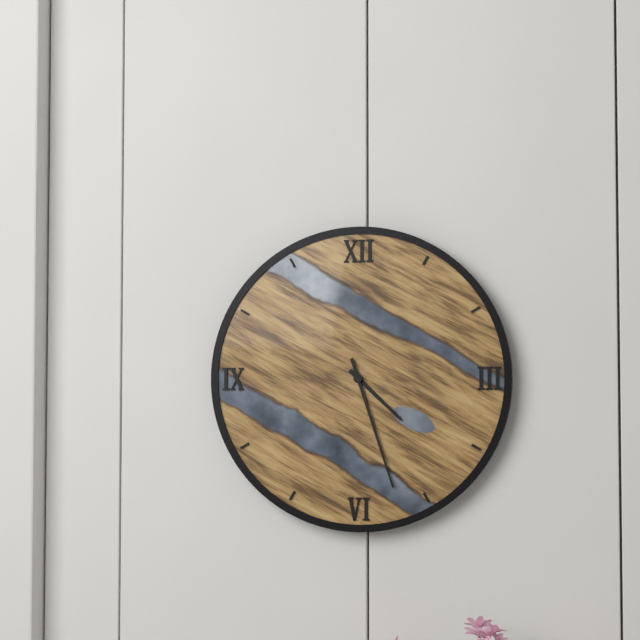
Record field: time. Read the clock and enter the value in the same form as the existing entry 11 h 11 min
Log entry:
4 h 27 min
